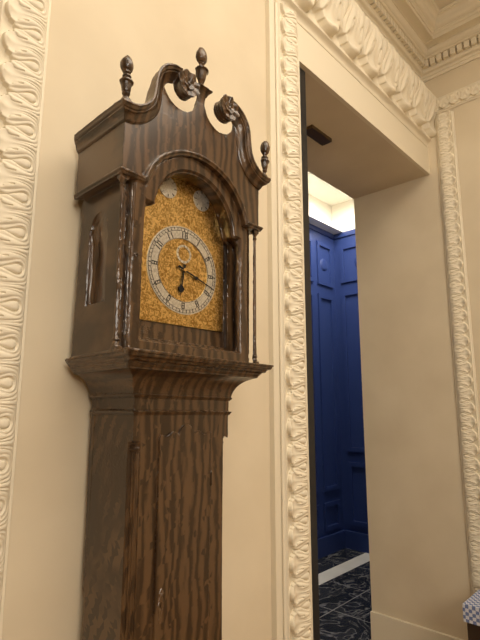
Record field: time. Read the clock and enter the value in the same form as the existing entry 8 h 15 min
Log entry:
6 h 18 min
